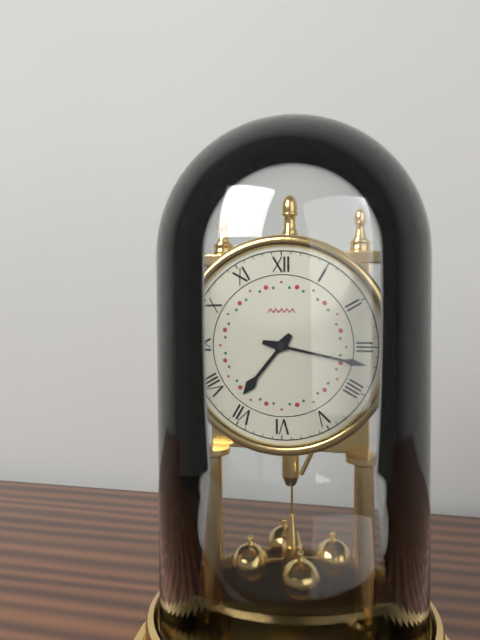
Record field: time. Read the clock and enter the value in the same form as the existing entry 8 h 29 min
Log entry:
7 h 17 min
